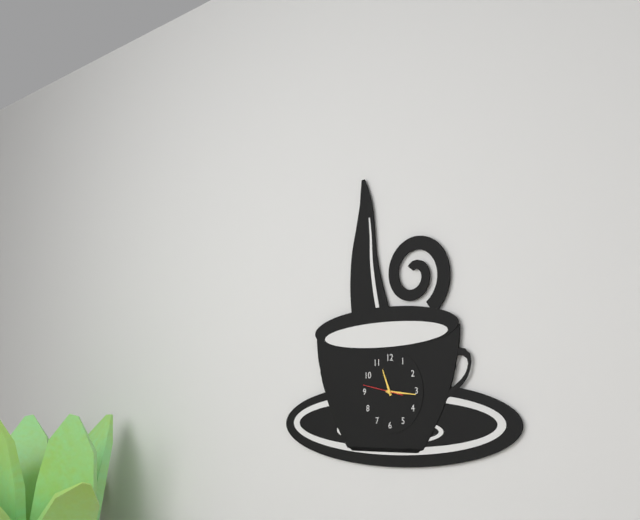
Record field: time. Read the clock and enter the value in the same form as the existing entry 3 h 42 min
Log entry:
11 h 16 min
